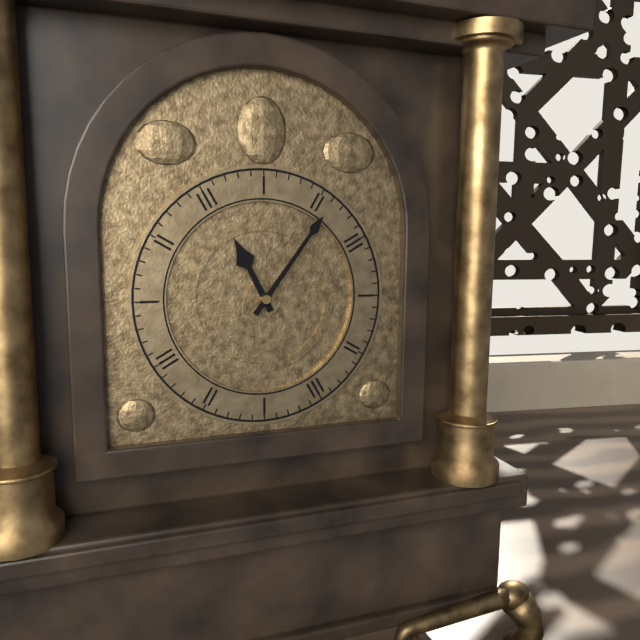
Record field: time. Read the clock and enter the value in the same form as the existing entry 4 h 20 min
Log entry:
11 h 06 min
